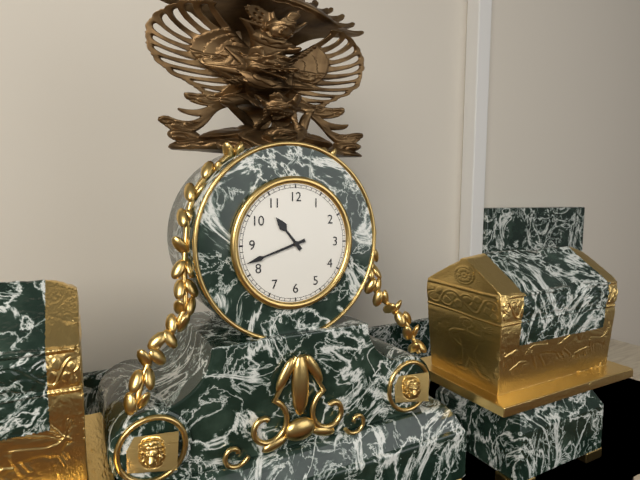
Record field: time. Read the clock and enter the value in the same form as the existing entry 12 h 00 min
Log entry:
10 h 42 min
